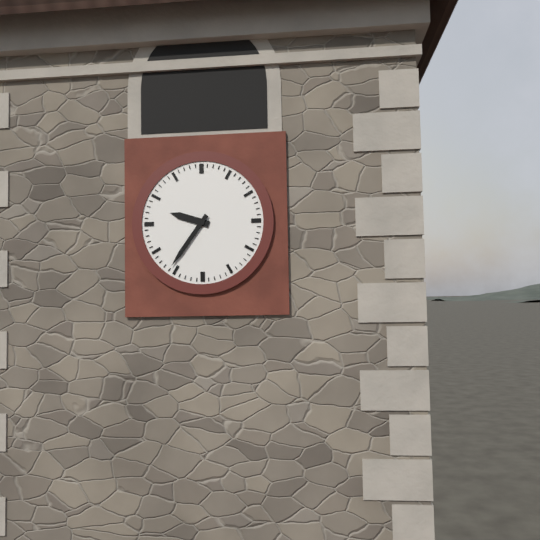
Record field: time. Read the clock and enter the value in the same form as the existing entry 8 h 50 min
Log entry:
9 h 36 min
